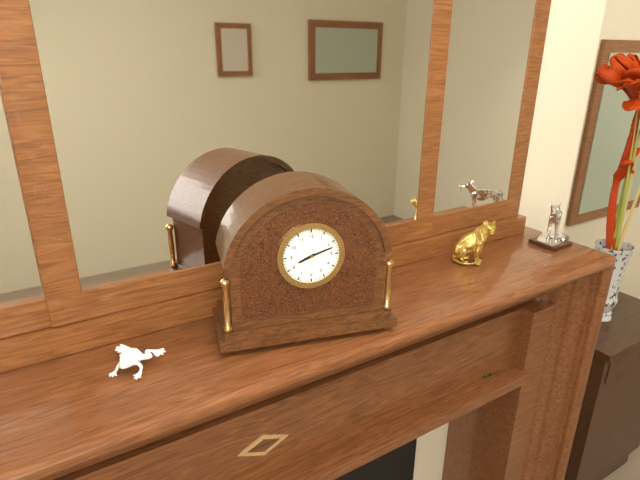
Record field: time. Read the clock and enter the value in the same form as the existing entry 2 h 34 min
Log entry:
8 h 12 min
